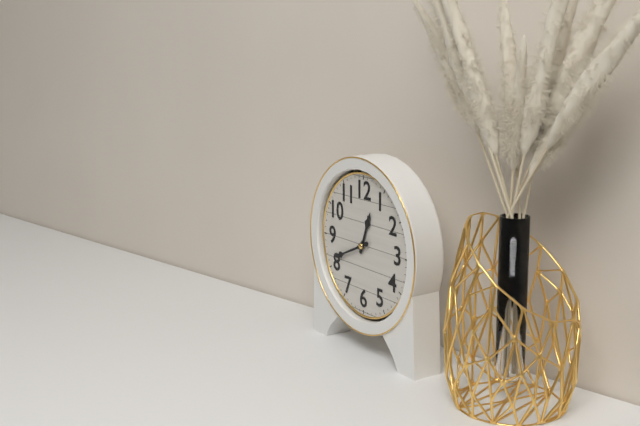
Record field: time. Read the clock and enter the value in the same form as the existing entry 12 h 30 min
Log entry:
12 h 41 min
